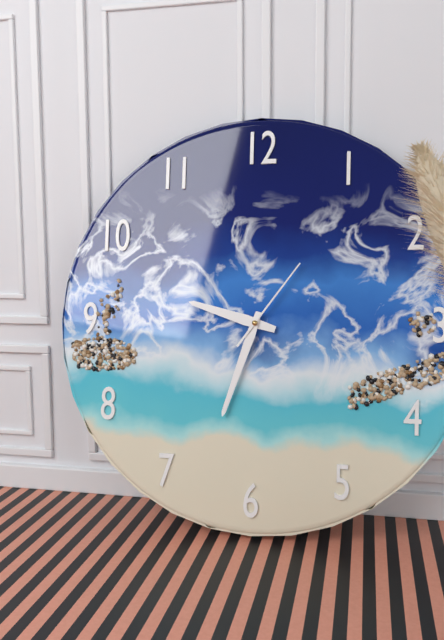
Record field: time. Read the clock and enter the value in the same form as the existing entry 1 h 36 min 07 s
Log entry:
9 h 33 min 06 s
